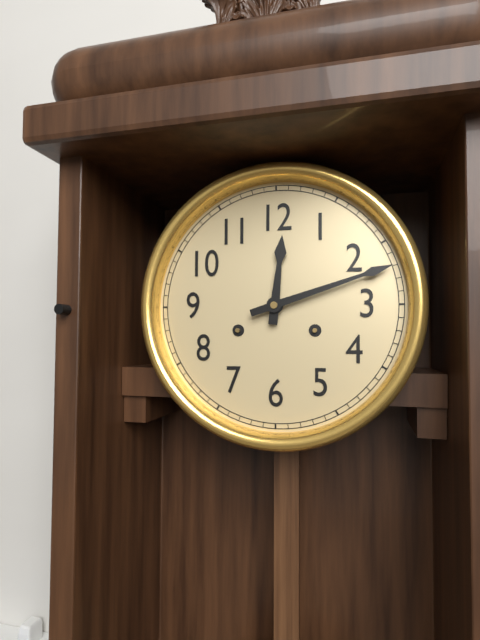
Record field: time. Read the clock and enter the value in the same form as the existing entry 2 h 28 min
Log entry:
12 h 12 min
